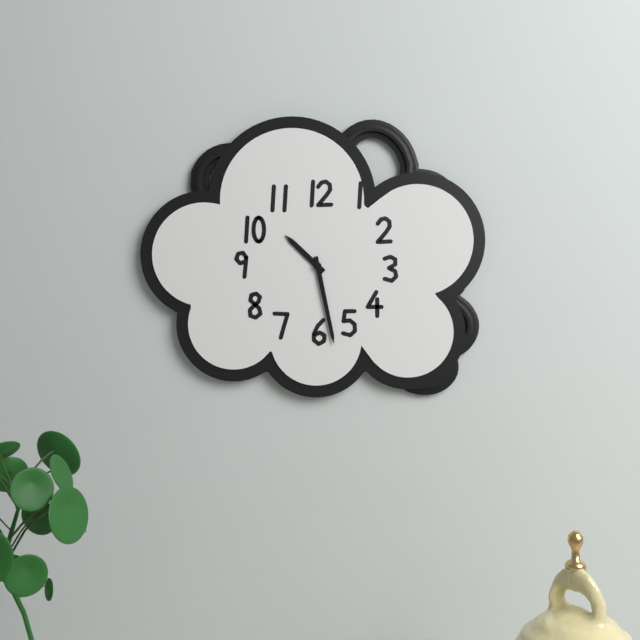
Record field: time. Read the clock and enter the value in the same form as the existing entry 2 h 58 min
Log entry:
10 h 28 min
